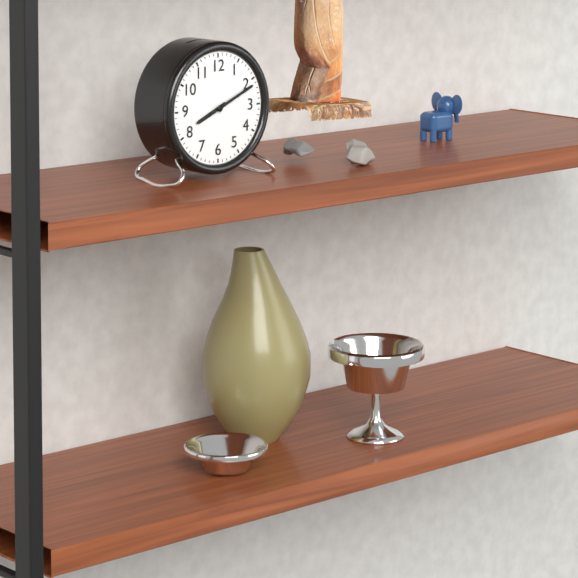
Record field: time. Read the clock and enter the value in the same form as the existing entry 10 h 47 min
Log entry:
8 h 11 min
